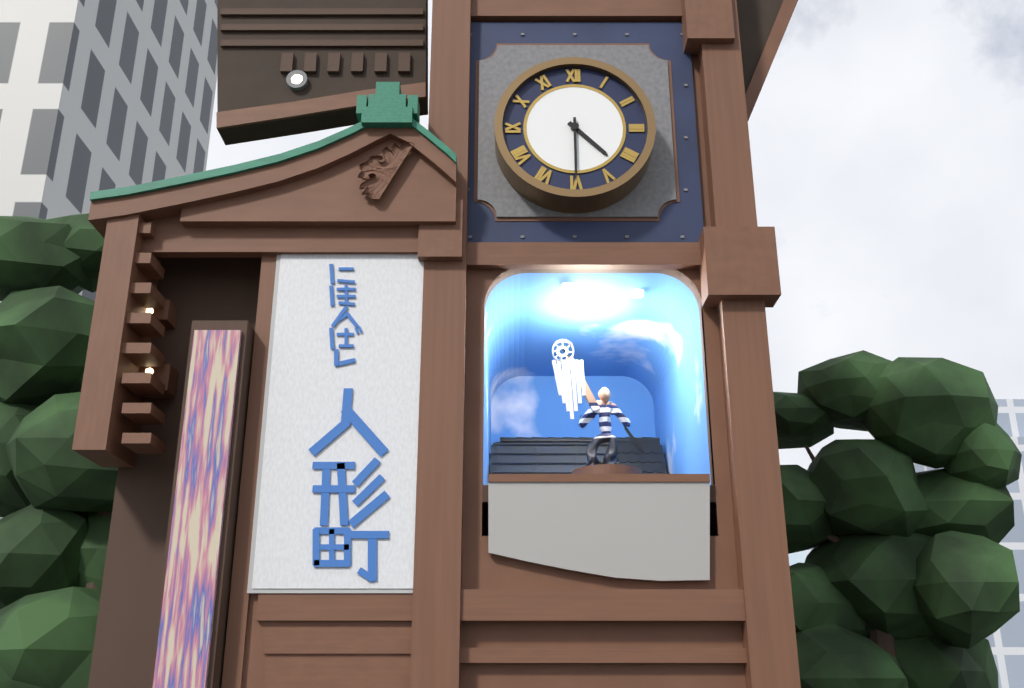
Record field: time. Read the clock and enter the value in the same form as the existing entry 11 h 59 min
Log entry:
4 h 30 min
